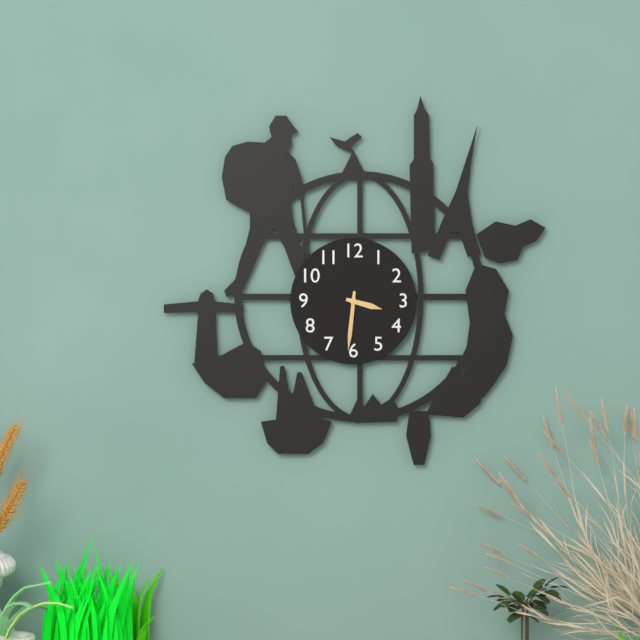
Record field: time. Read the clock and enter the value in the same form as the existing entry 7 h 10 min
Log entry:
3 h 31 min
